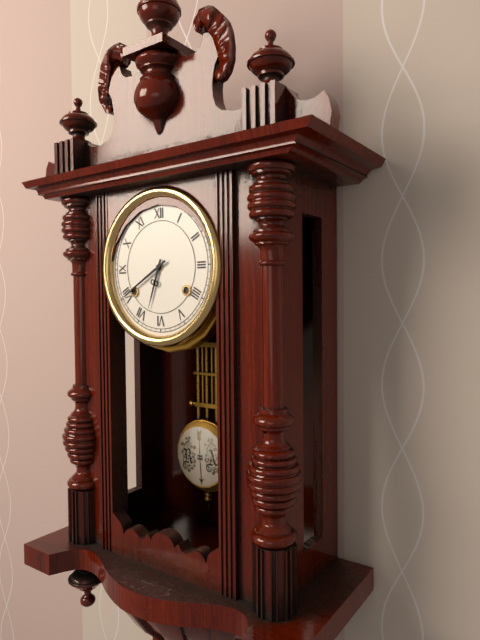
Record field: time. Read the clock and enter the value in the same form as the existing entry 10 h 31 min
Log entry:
6 h 40 min
